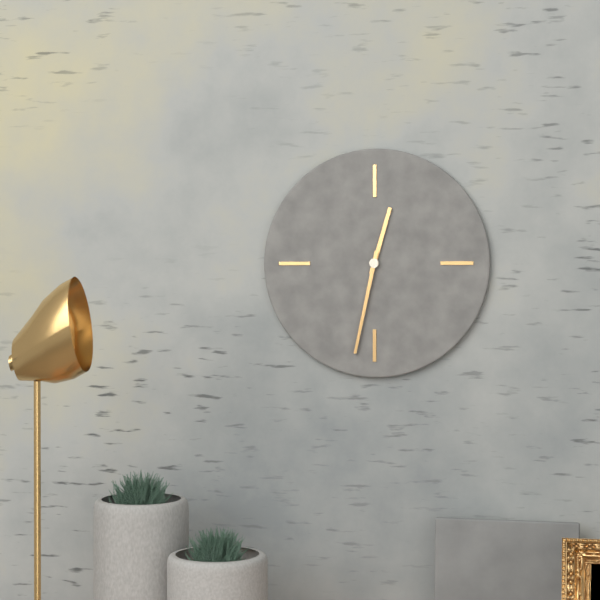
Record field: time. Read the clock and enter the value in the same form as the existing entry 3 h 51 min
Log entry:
12 h 32 min
